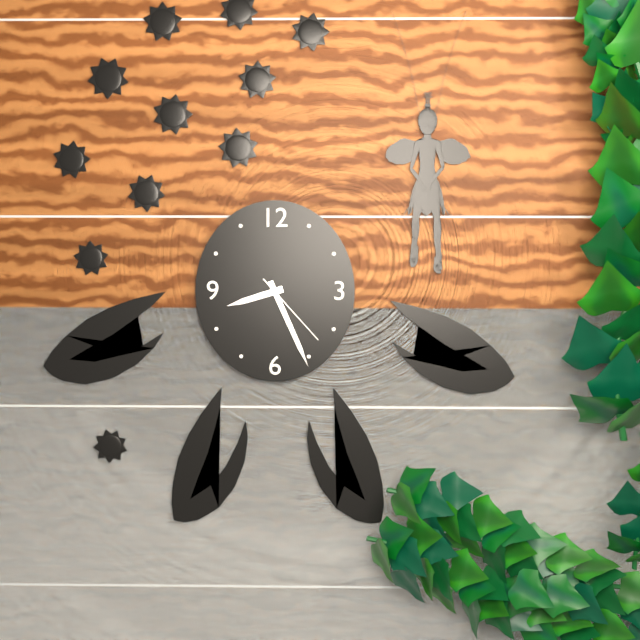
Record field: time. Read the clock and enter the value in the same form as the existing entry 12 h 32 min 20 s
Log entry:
8 h 26 min 23 s
